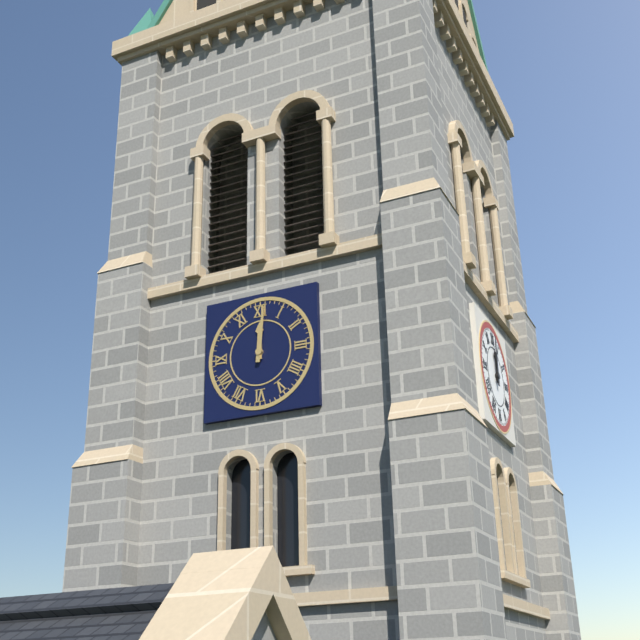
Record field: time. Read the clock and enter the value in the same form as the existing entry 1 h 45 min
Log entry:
12 h 01 min
